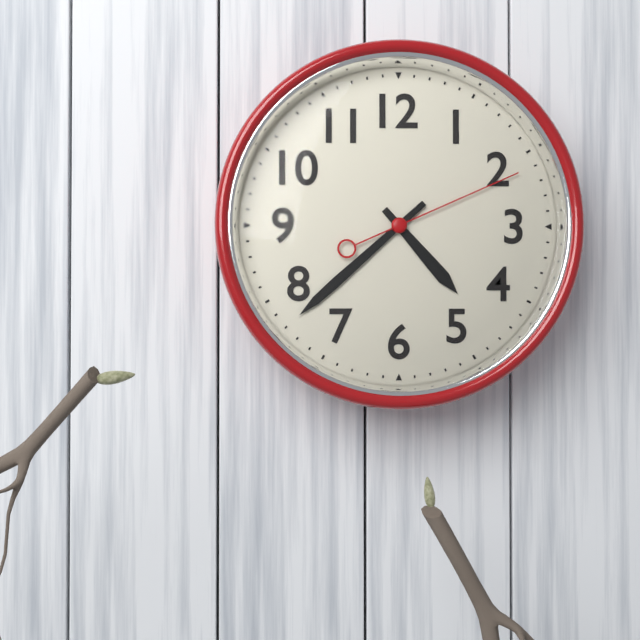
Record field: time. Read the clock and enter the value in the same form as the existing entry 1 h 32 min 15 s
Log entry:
4 h 38 min 11 s
